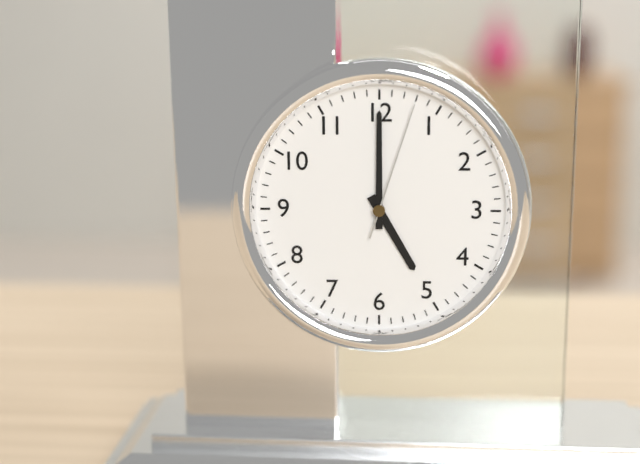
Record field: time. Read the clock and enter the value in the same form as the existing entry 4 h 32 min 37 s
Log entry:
5 h 00 min 03 s
